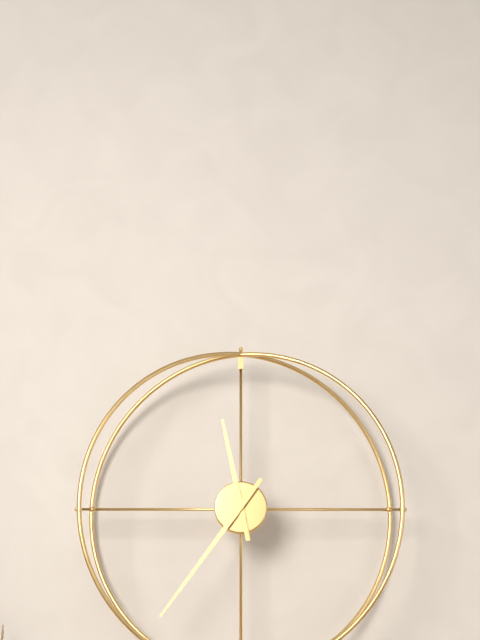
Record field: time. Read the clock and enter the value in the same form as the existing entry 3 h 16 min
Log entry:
11 h 36 min
